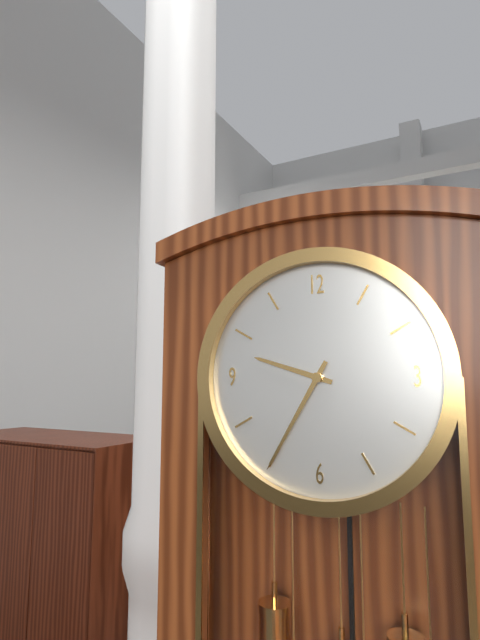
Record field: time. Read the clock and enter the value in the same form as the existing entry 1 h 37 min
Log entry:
9 h 35 min
